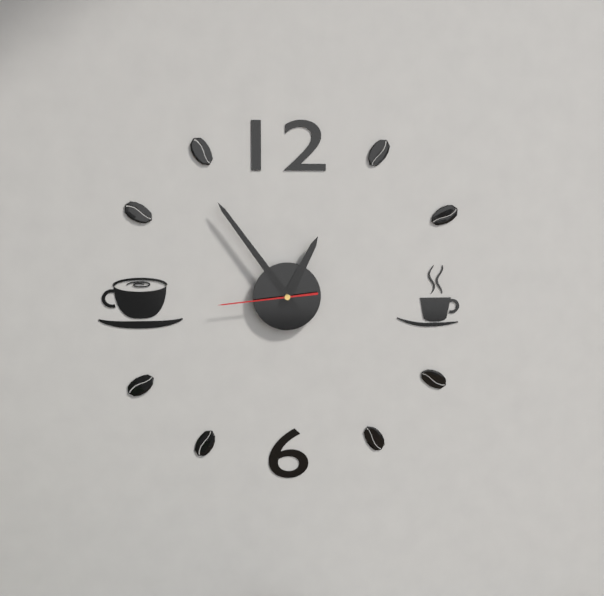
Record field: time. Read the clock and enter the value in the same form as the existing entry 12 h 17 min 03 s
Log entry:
12 h 54 min 44 s
